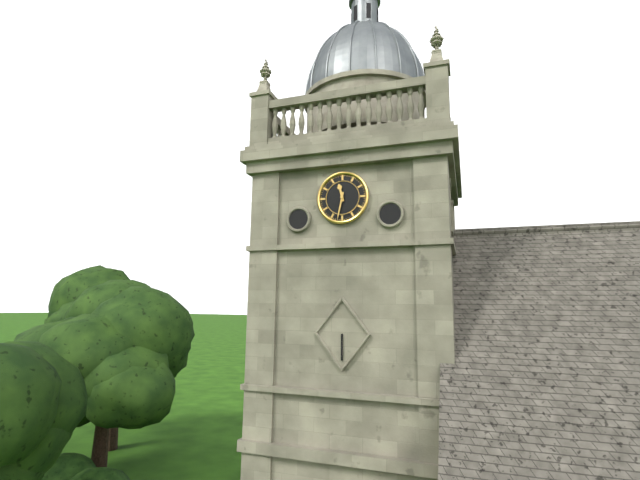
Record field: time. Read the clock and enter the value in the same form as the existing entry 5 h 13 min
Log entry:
11 h 32 min
